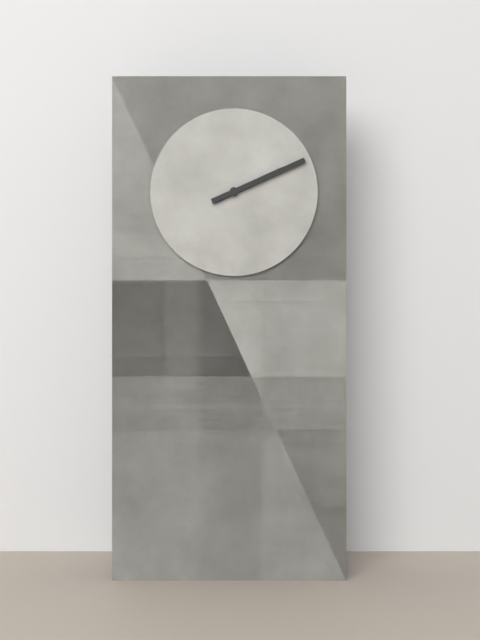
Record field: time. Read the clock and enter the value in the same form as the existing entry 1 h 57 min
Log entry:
2 h 11 min
